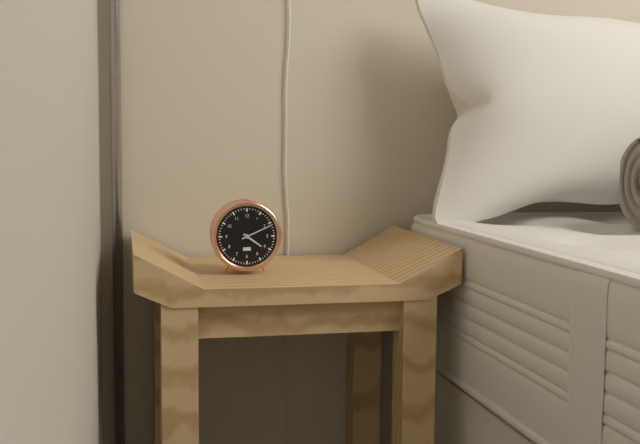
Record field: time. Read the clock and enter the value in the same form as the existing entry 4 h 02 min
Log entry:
4 h 11 min
